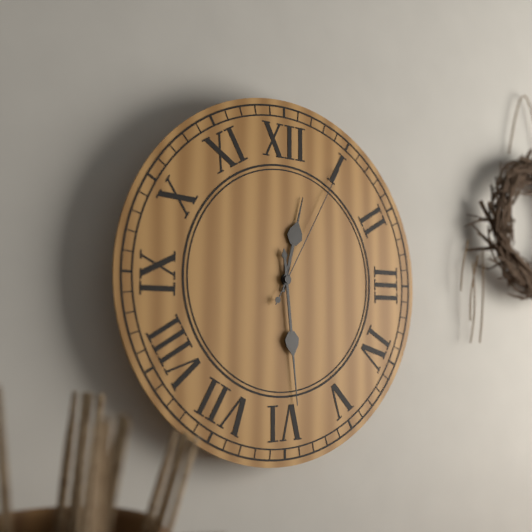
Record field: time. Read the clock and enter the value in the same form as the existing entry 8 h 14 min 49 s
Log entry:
12 h 29 min 05 s
